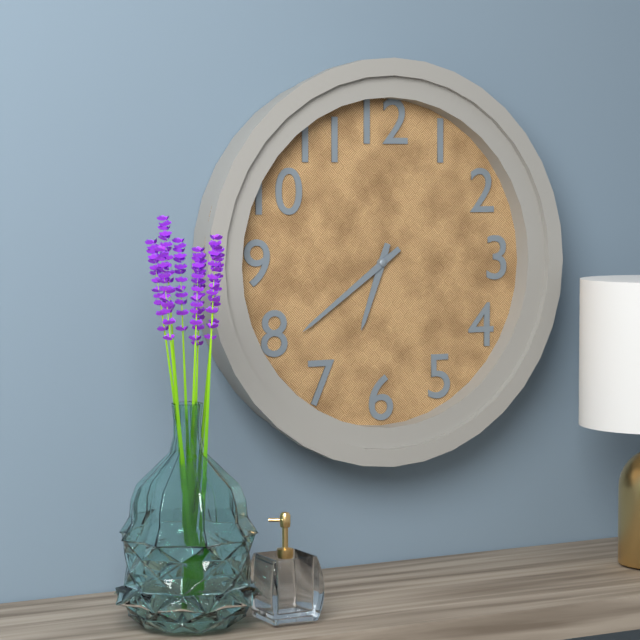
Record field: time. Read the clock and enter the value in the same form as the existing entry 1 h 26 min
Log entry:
6 h 39 min
